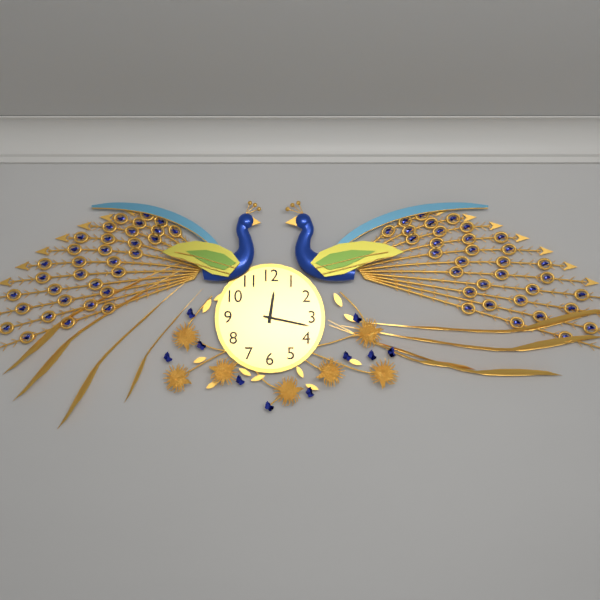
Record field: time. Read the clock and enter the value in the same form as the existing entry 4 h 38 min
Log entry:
12 h 17 min
